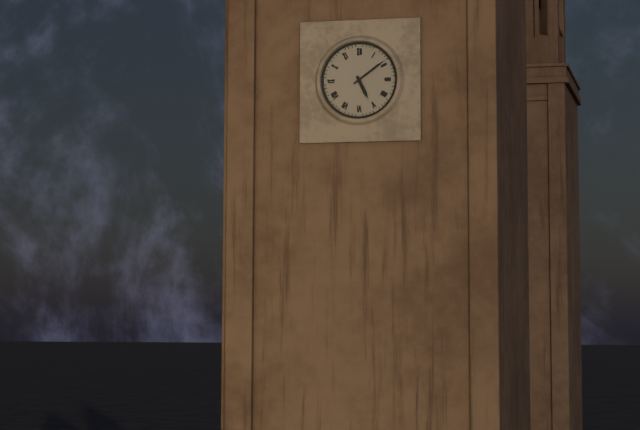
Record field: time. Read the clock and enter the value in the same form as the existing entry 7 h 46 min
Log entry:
5 h 09 min
